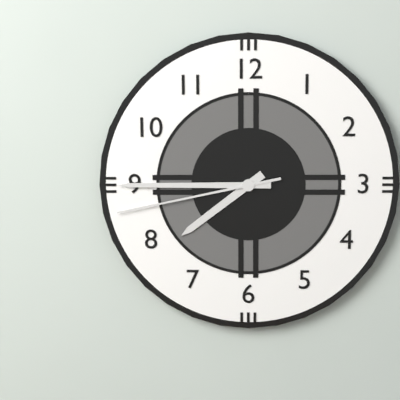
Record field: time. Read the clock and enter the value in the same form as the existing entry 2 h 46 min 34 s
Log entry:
7 h 45 min 43 s
